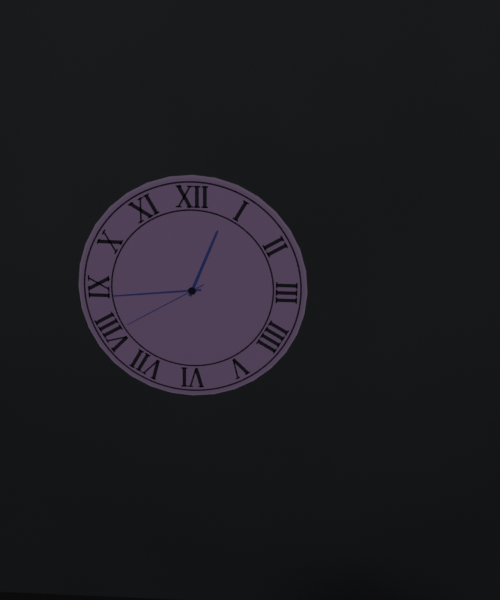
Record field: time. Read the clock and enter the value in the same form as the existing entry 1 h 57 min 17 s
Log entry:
12 h 44 min 40 s
